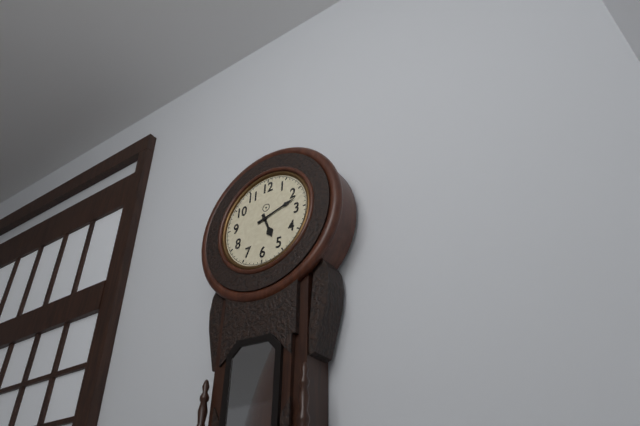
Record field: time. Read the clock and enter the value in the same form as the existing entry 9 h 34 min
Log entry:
5 h 12 min
